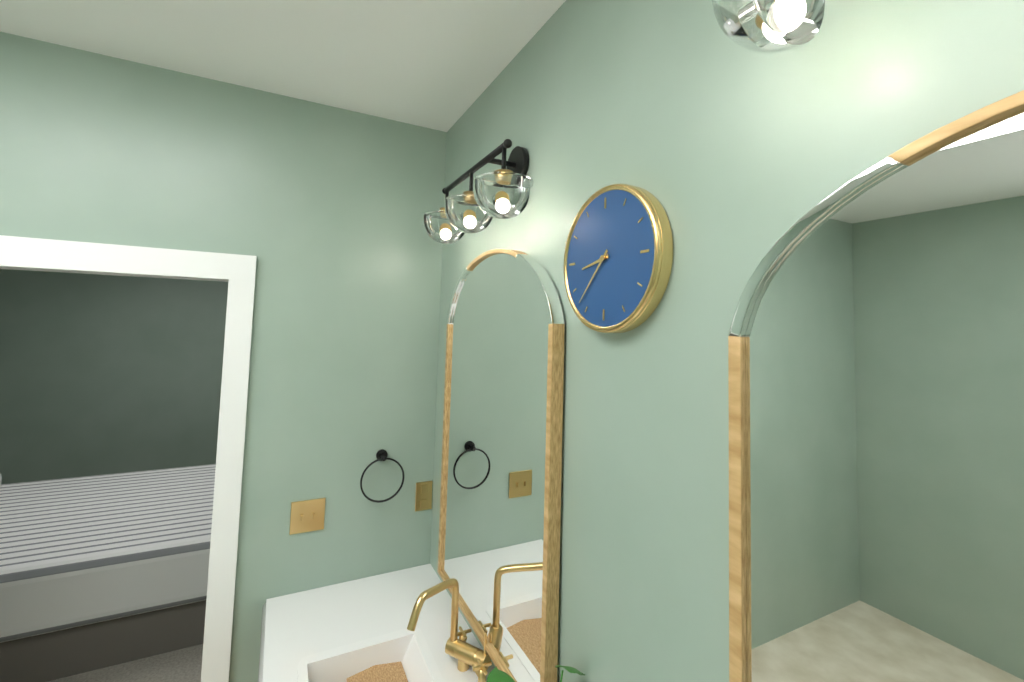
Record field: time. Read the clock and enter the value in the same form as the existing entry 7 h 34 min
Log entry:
8 h 37 min
